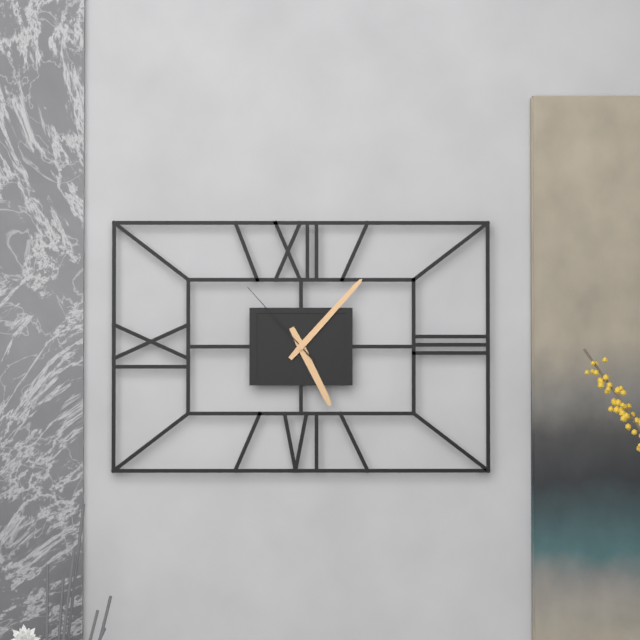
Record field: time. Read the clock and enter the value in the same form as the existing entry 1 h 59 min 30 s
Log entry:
5 h 07 min 53 s
